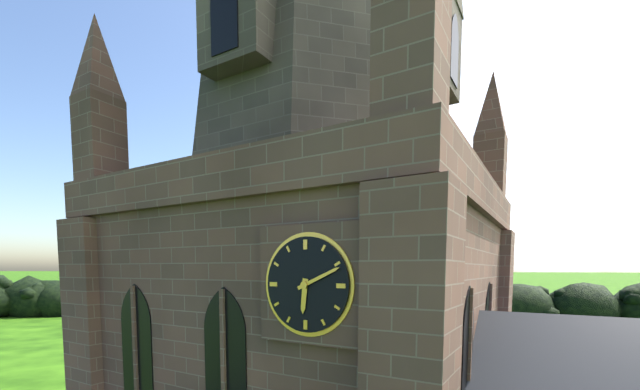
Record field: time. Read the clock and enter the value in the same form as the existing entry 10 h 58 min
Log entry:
6 h 11 min
